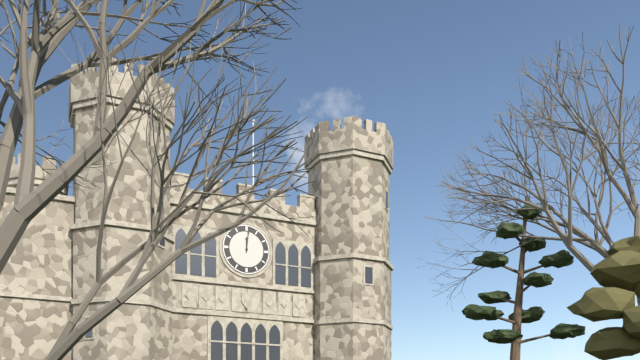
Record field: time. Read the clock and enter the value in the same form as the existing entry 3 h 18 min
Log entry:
12 h 01 min
